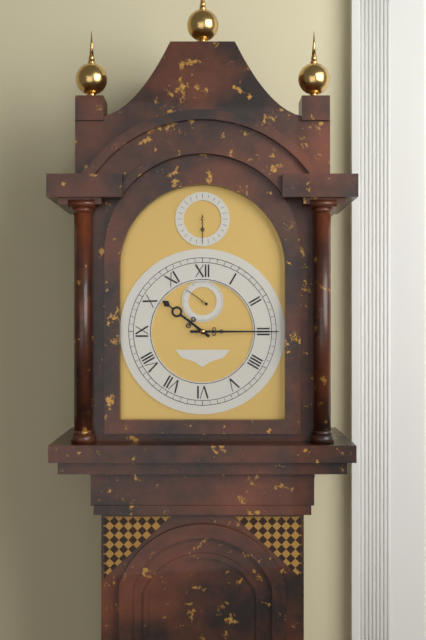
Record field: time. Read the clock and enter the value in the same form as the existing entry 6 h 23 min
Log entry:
10 h 15 min
